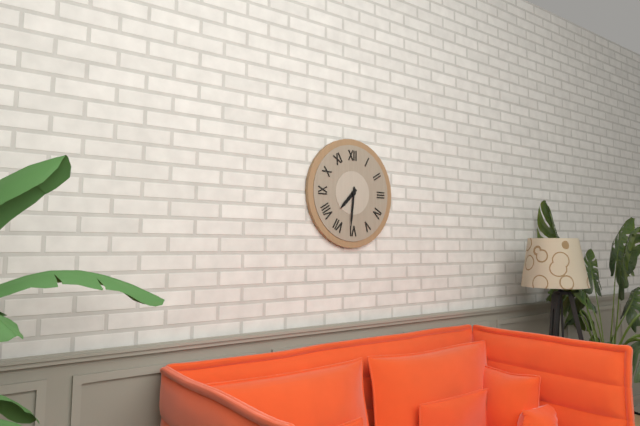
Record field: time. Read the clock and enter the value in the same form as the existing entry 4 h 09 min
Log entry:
7 h 31 min
